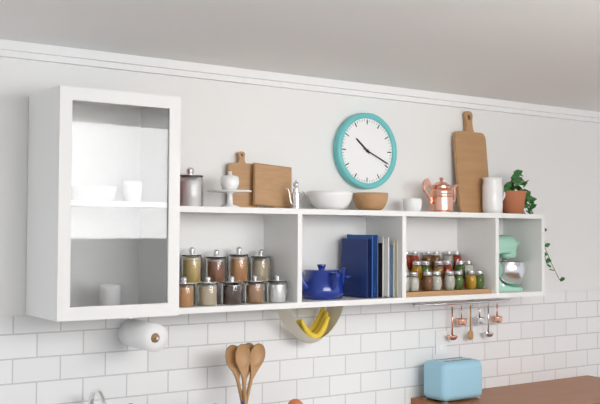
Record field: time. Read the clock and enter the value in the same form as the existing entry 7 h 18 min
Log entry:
10 h 19 min
